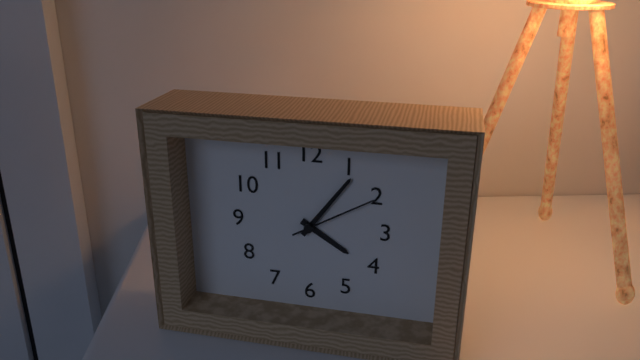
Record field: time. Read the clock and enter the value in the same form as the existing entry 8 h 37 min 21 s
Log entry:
4 h 06 min 10 s
